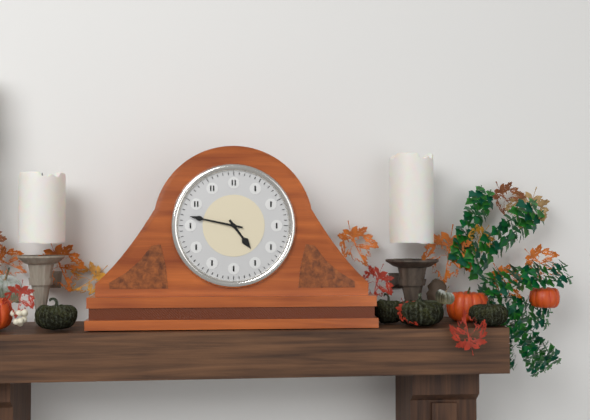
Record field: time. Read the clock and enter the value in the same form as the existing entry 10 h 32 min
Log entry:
4 h 47 min
